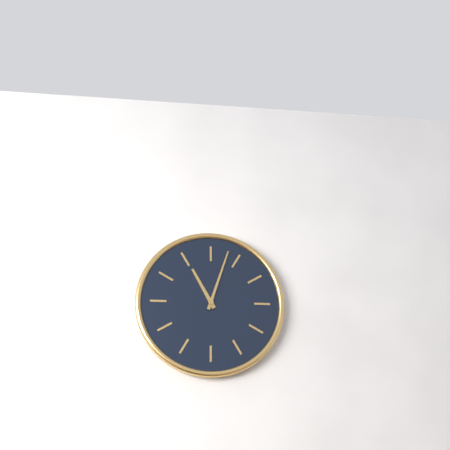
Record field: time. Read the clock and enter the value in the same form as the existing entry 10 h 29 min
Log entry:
11 h 03 min
